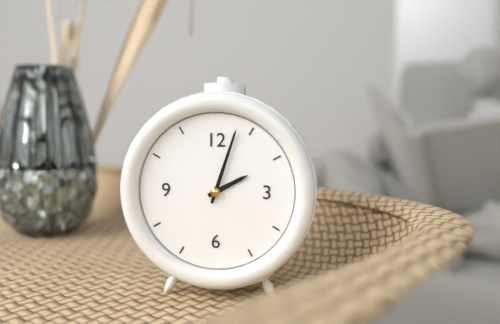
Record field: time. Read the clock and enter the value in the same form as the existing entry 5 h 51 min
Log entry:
2 h 03 min
